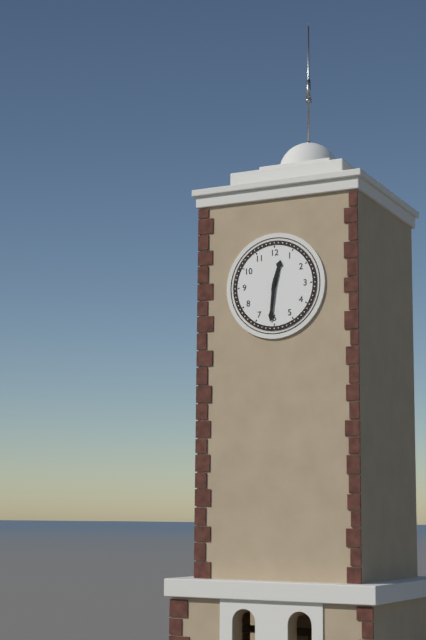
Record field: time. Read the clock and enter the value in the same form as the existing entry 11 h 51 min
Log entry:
12 h 31 min
